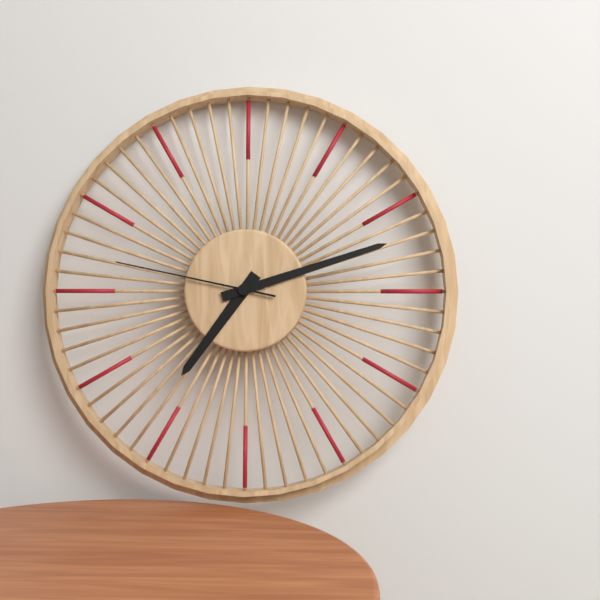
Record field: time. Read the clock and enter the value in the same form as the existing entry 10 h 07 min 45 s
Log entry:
7 h 12 min 47 s
